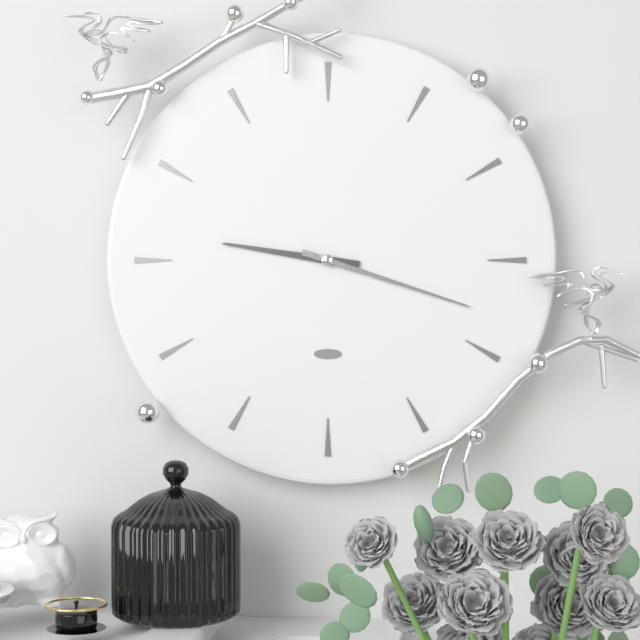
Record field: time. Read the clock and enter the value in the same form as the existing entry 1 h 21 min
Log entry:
9 h 18 min
